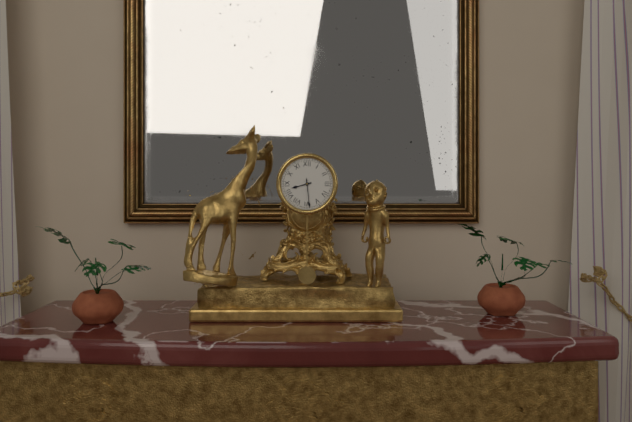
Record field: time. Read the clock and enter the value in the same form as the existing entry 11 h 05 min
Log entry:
8 h 29 min
